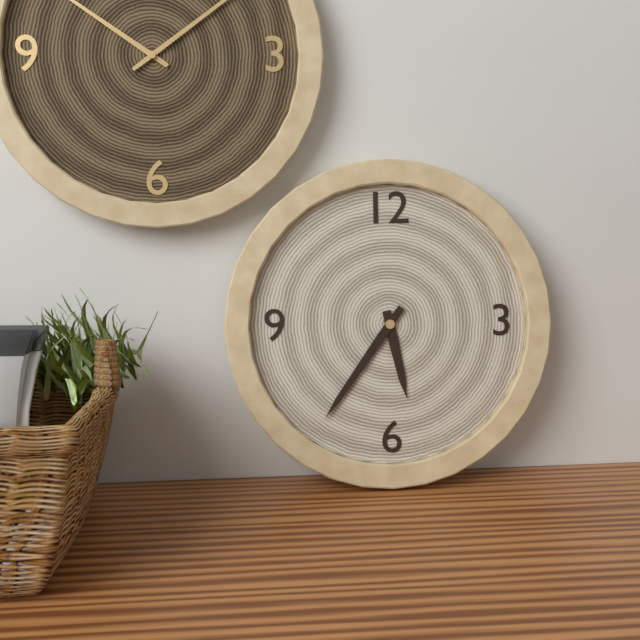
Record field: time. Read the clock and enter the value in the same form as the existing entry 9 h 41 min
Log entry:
5 h 36 min
